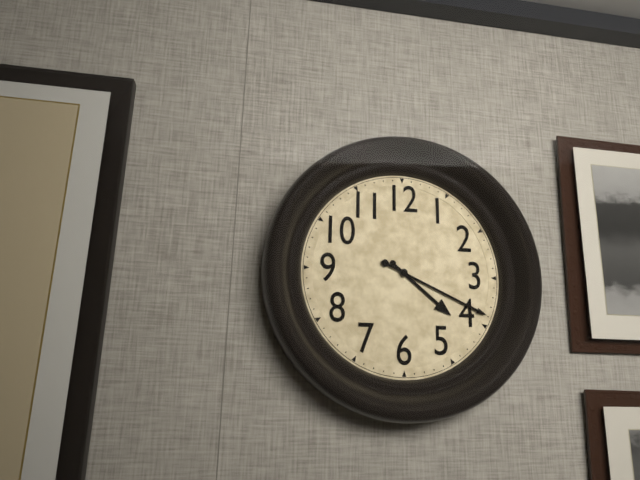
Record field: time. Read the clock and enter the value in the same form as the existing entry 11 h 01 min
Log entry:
4 h 19 min
